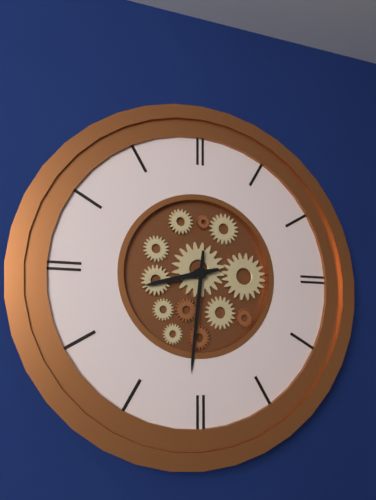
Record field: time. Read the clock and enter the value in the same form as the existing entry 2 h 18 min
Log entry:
8 h 31 min
